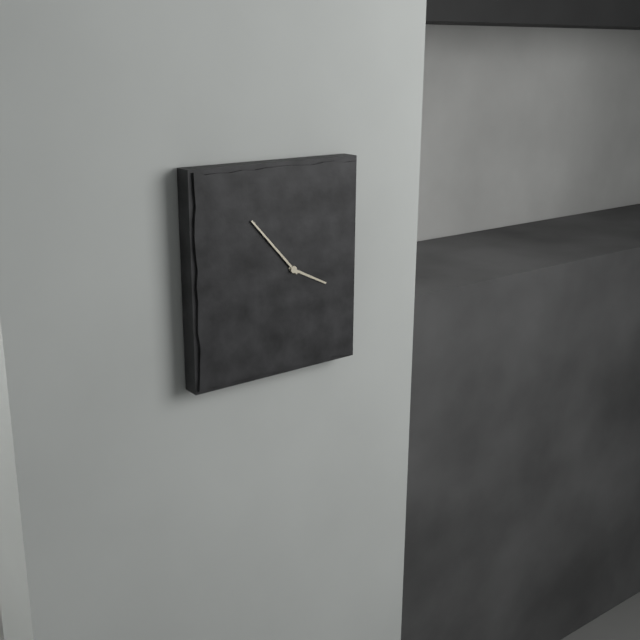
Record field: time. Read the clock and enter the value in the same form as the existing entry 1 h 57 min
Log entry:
3 h 53 min
